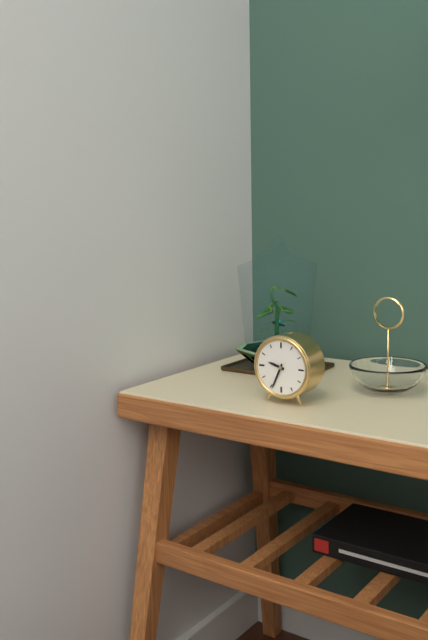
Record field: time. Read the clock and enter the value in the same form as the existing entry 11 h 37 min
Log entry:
9 h 34 min
